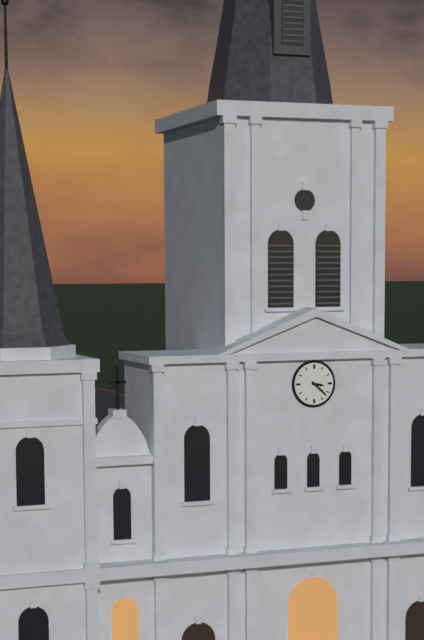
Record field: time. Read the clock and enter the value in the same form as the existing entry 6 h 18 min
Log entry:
3 h 22 min
